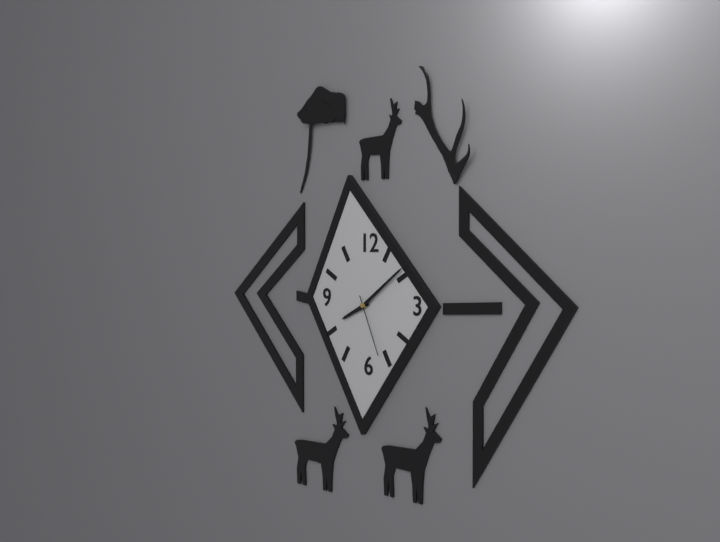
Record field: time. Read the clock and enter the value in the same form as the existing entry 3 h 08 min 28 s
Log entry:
8 h 09 min 26 s
